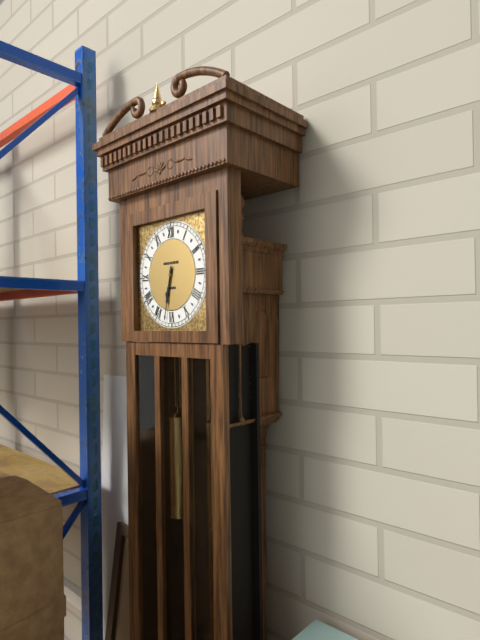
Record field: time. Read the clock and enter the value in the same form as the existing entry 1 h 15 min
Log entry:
6 h 32 min
